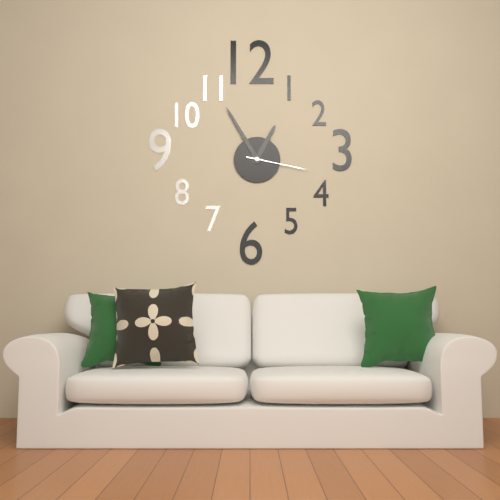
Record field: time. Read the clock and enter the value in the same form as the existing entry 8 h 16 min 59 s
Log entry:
12 h 55 min 17 s
